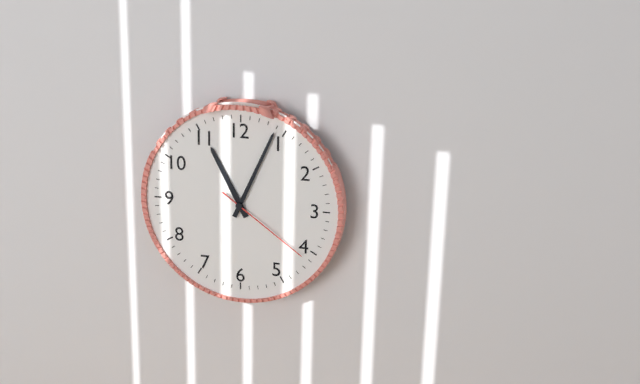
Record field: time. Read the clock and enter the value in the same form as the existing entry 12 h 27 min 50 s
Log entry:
11 h 04 min 21 s
